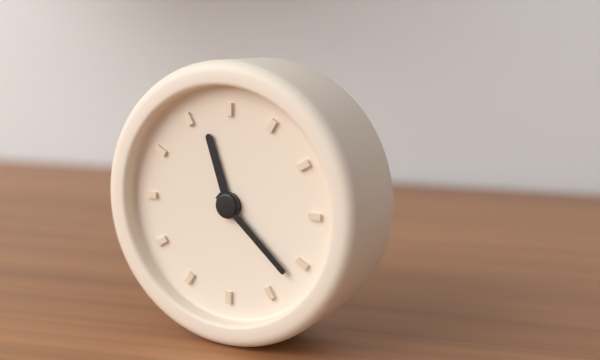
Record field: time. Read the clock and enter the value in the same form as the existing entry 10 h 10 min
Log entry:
11 h 22 min
